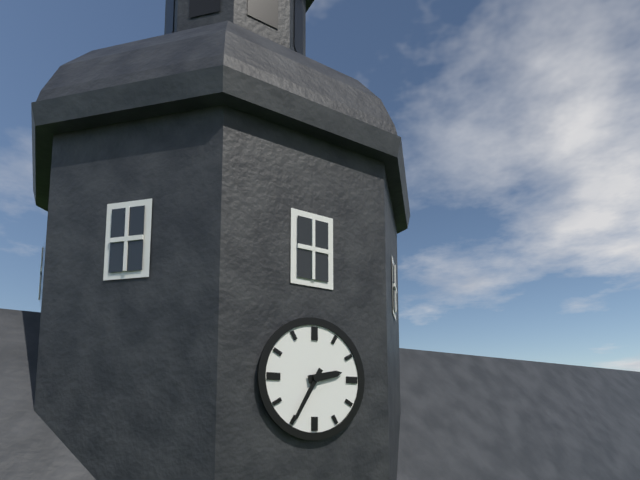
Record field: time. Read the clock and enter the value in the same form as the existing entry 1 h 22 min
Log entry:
2 h 35 min
